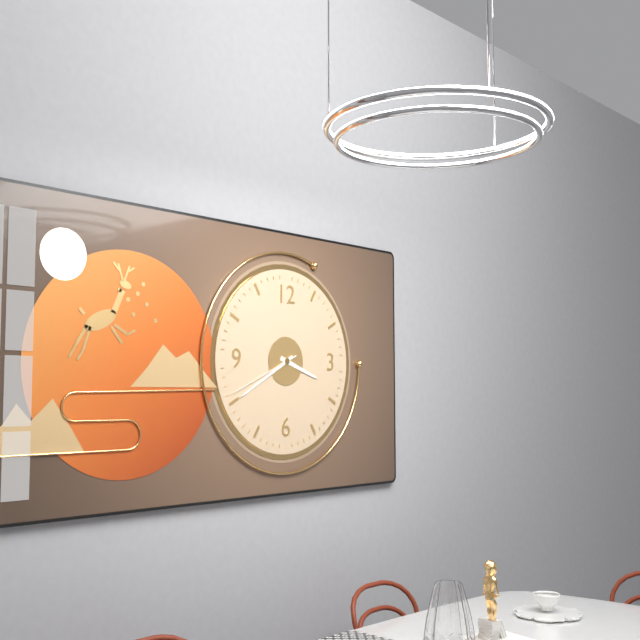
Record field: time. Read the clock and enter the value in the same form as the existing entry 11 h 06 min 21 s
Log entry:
3 h 40 min 41 s
